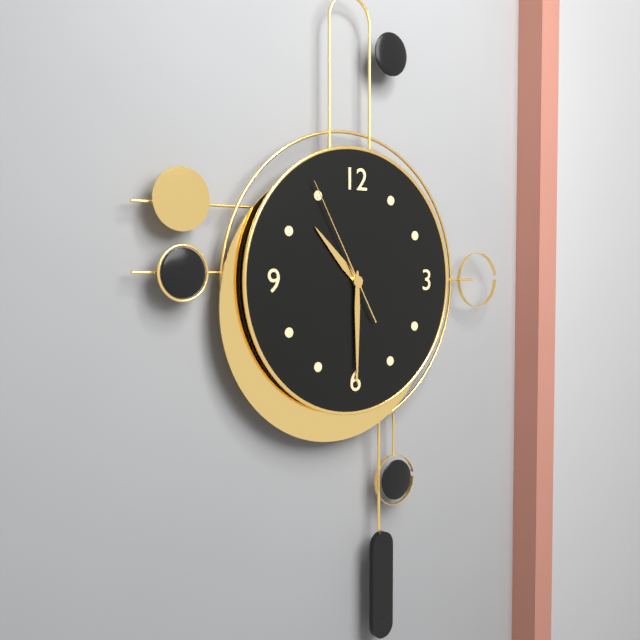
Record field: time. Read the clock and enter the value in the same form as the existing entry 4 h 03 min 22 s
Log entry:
10 h 30 min 55 s
